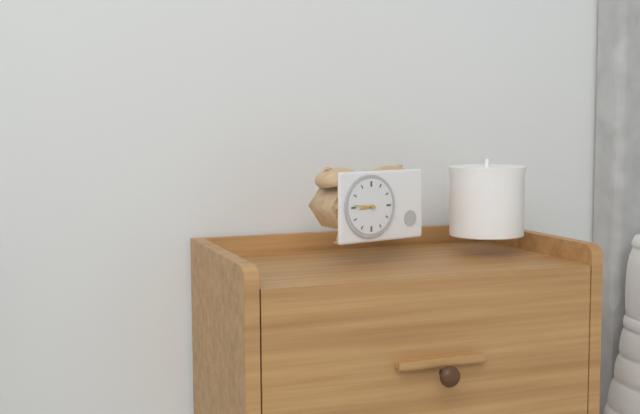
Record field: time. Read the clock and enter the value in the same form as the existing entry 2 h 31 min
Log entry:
8 h 46 min
